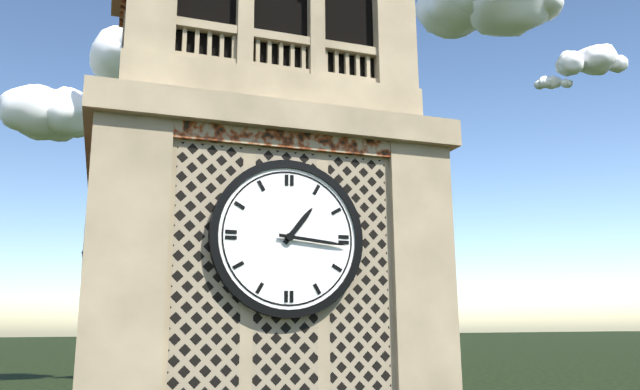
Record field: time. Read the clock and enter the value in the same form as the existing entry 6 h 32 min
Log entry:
1 h 16 min
